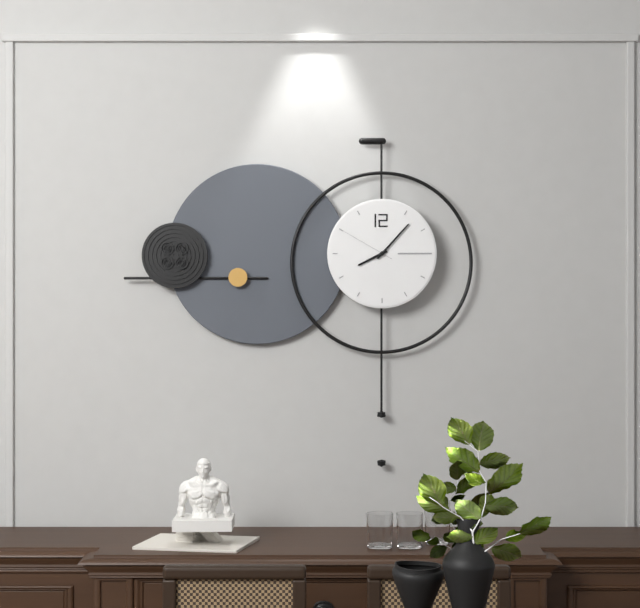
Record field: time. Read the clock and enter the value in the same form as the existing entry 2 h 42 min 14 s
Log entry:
8 h 07 min 50 s
